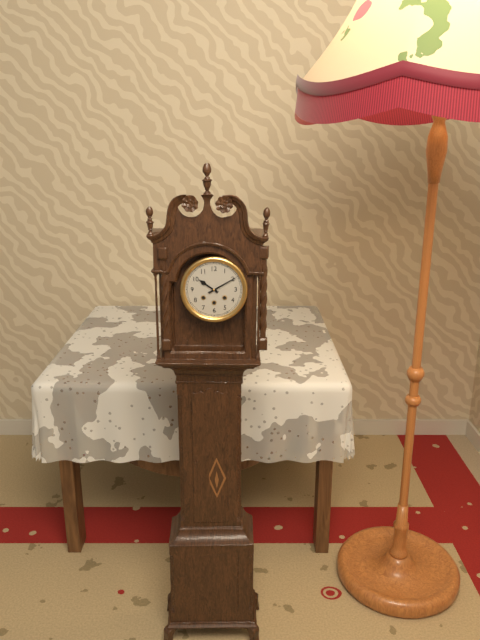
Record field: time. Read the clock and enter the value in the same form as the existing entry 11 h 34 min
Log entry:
10 h 10 min
